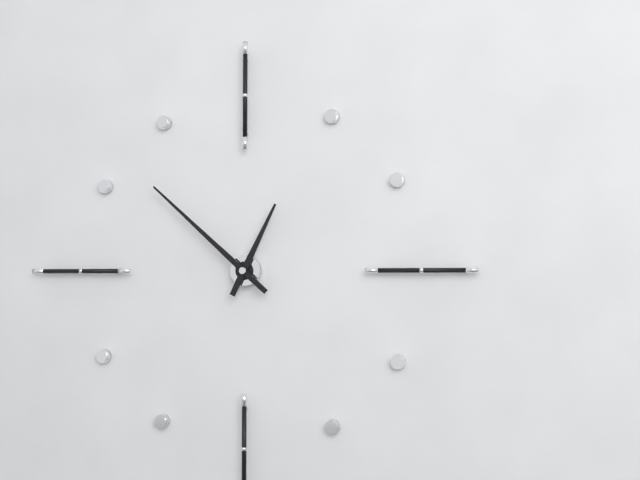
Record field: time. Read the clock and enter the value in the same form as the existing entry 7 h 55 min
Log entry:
12 h 52 min
